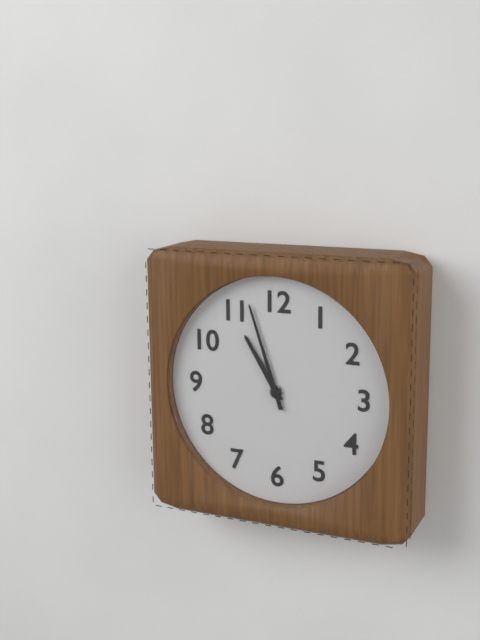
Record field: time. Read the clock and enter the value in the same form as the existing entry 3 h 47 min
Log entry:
10 h 57 min
